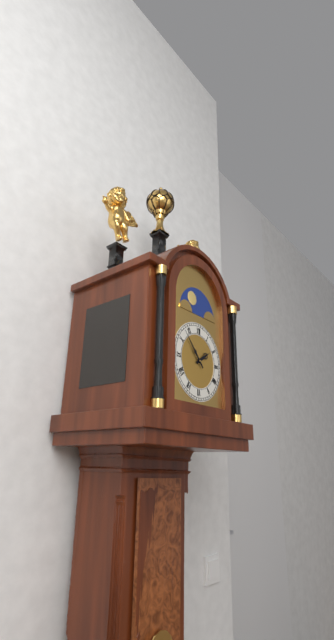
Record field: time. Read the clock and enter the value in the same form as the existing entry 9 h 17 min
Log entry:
1 h 53 min
